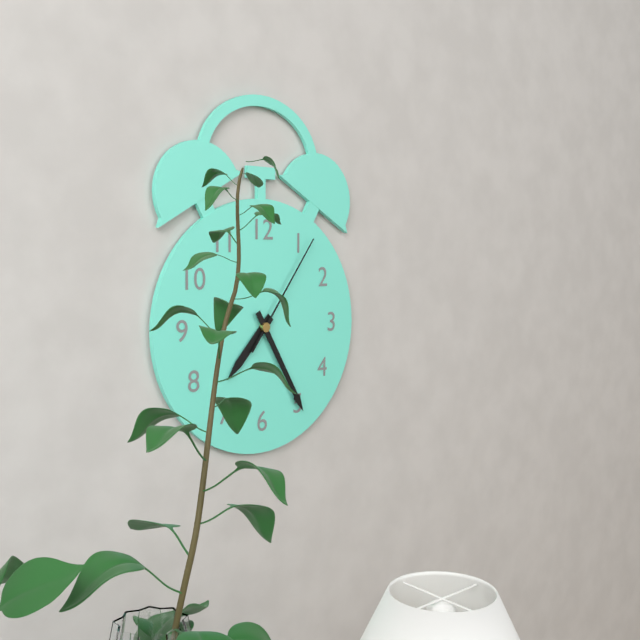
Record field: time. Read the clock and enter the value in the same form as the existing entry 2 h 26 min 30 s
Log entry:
7 h 25 min 06 s
